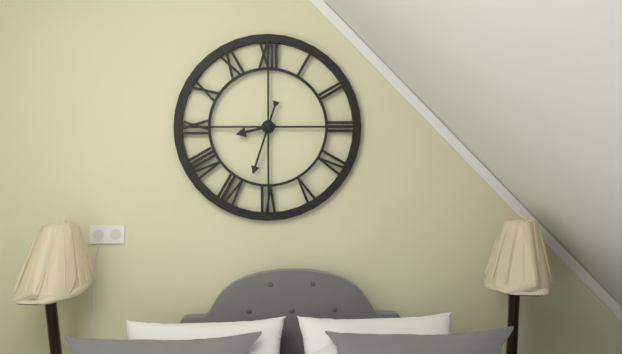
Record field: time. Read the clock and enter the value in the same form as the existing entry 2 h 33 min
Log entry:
8 h 33 min
